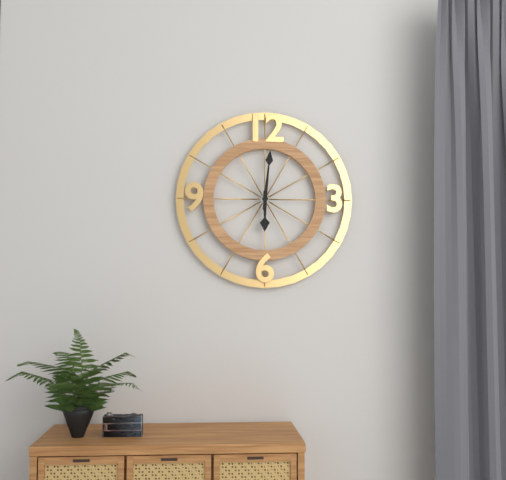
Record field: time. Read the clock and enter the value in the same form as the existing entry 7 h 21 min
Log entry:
6 h 01 min
